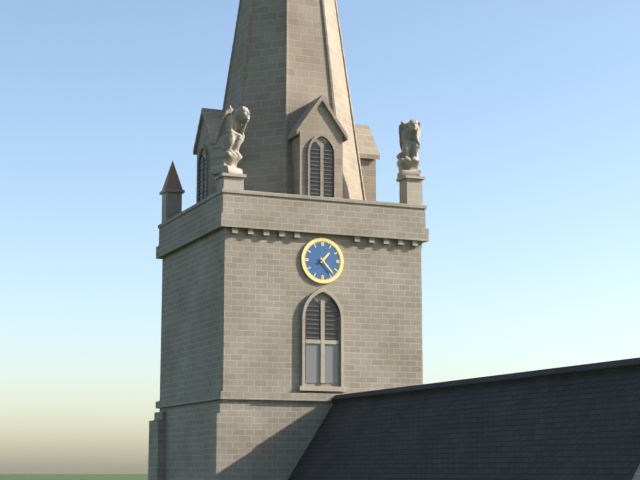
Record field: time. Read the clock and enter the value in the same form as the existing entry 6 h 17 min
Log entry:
1 h 23 min
